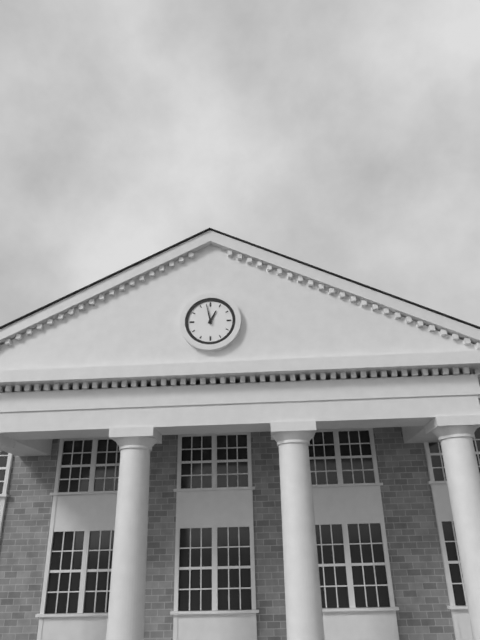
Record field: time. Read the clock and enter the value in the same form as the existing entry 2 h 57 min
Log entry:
12 h 58 min
